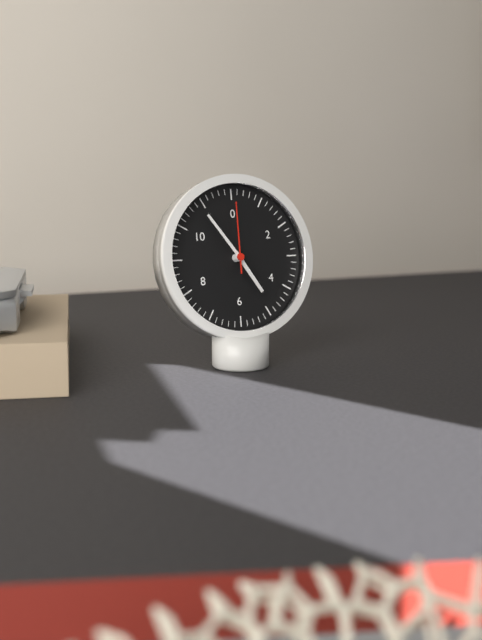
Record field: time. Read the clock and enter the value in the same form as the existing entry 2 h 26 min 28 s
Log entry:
4 h 54 min 00 s
